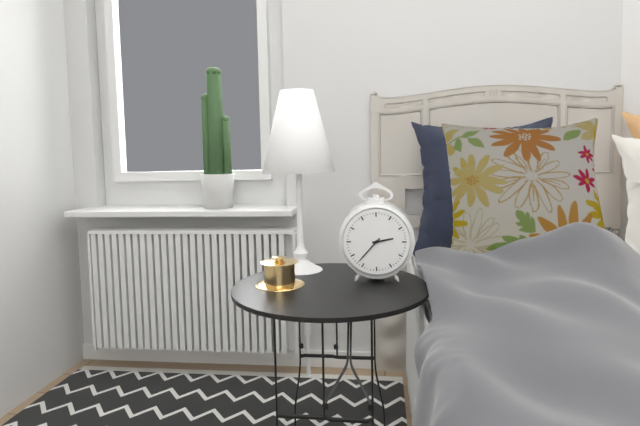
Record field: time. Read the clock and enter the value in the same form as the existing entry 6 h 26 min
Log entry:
2 h 37 min
